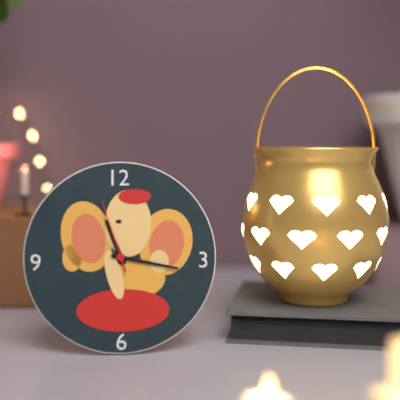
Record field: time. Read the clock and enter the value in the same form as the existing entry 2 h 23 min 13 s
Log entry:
11 h 17 min 57 s
